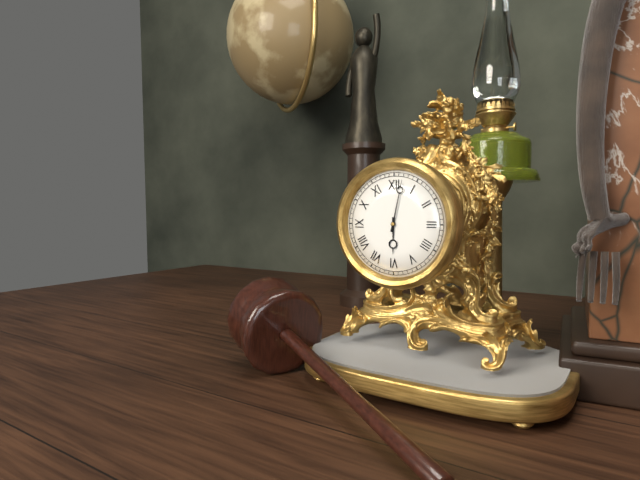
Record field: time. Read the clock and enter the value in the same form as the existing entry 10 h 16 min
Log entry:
6 h 02 min
